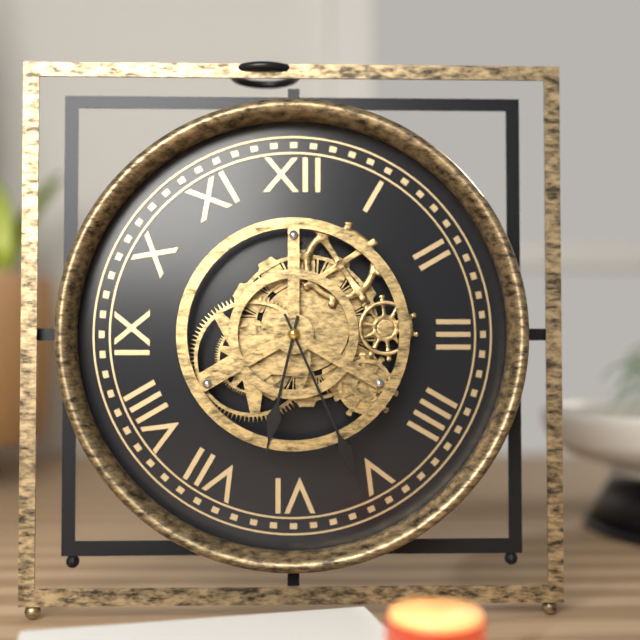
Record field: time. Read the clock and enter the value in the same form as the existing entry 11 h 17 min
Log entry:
6 h 26 min
